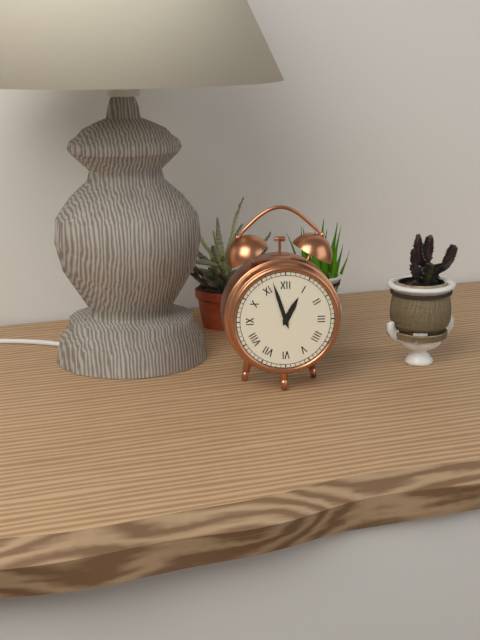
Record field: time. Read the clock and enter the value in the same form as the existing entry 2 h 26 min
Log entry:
12 h 57 min
